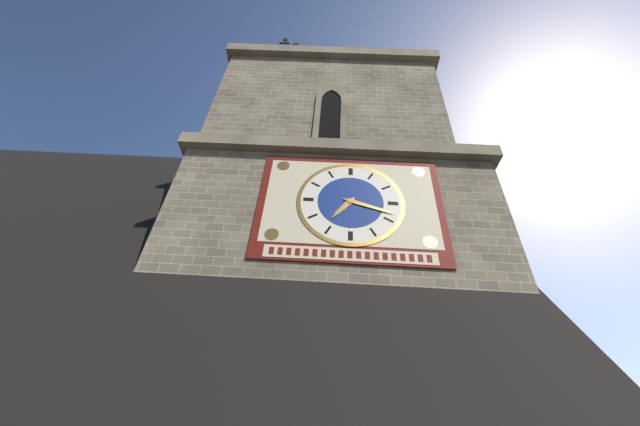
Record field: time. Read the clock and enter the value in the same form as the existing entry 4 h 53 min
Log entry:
7 h 18 min
